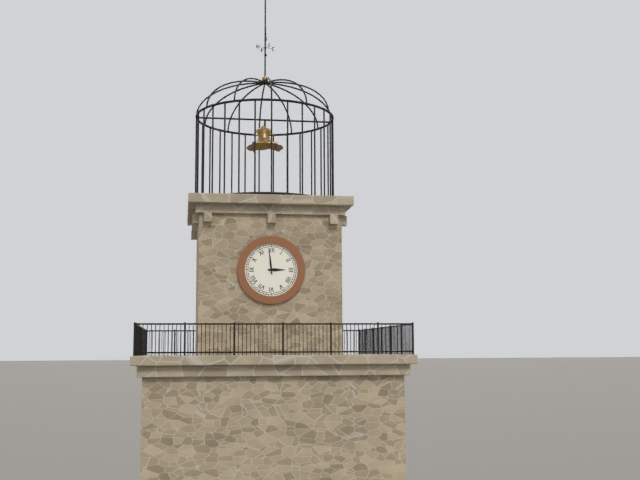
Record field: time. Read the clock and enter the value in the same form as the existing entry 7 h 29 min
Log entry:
2 h 59 min
